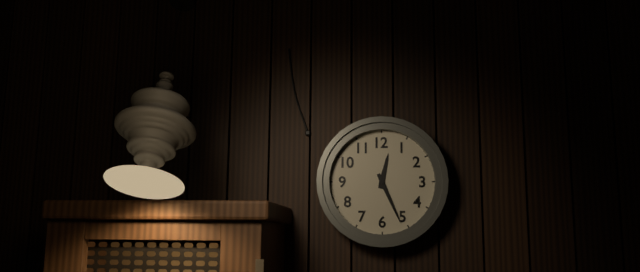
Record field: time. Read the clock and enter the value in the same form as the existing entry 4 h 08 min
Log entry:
12 h 26 min
